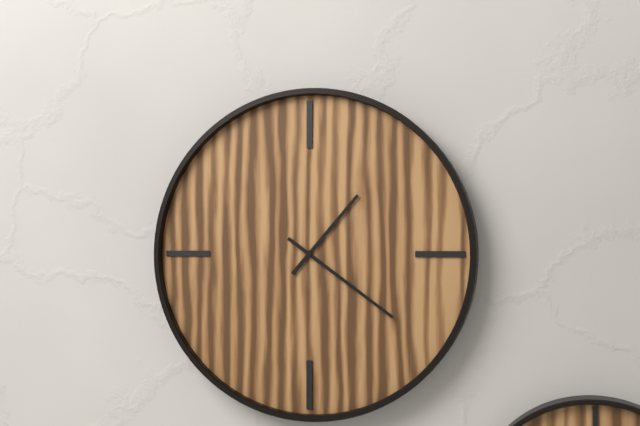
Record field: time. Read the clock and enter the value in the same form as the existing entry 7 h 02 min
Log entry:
1 h 21 min
